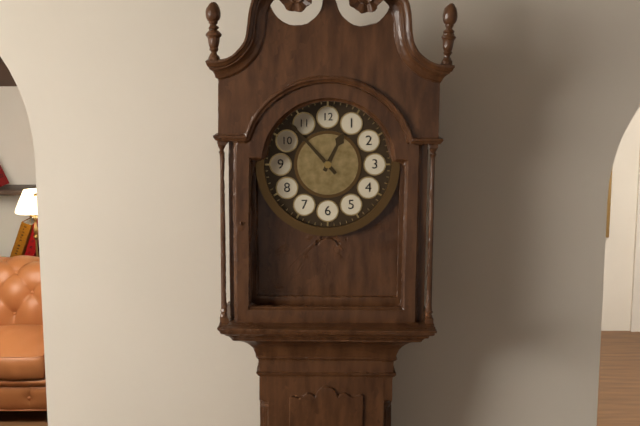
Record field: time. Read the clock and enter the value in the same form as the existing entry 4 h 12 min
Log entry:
12 h 53 min
